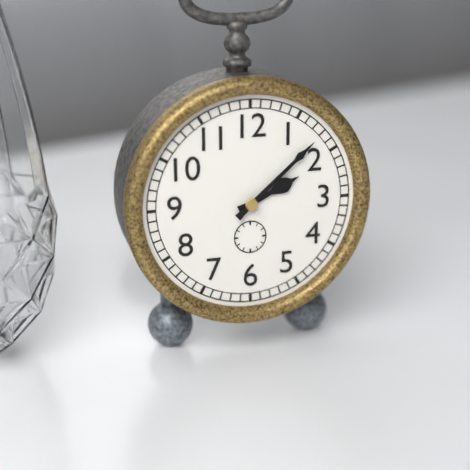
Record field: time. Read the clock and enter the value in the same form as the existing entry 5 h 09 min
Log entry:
2 h 08 min
